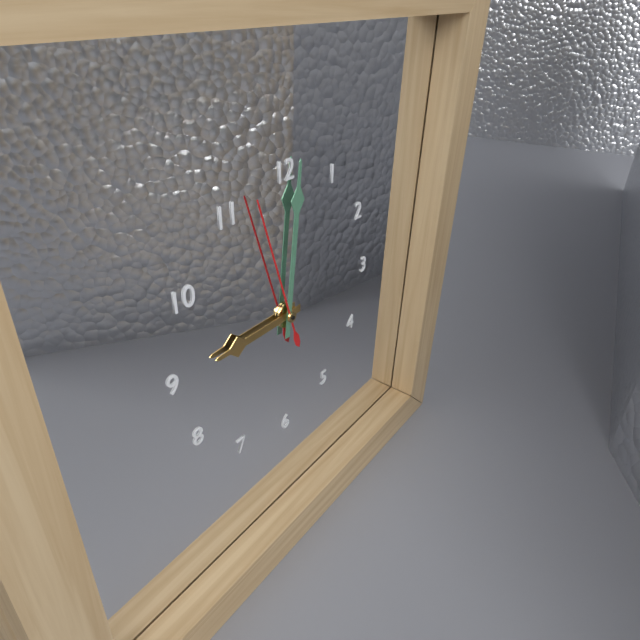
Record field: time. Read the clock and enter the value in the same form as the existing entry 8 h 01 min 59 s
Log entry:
9 h 01 min 57 s
